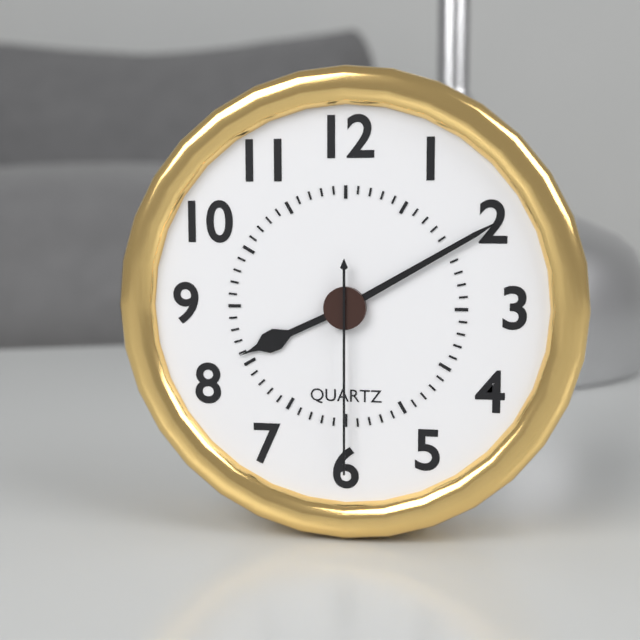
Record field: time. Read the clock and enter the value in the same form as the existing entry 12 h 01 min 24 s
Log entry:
8 h 10 min 30 s
